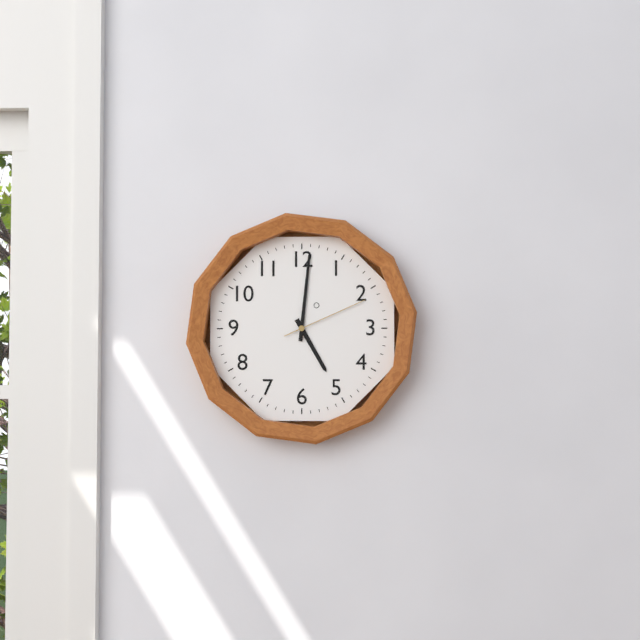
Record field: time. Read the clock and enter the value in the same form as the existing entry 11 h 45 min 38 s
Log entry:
5 h 01 min 11 s
